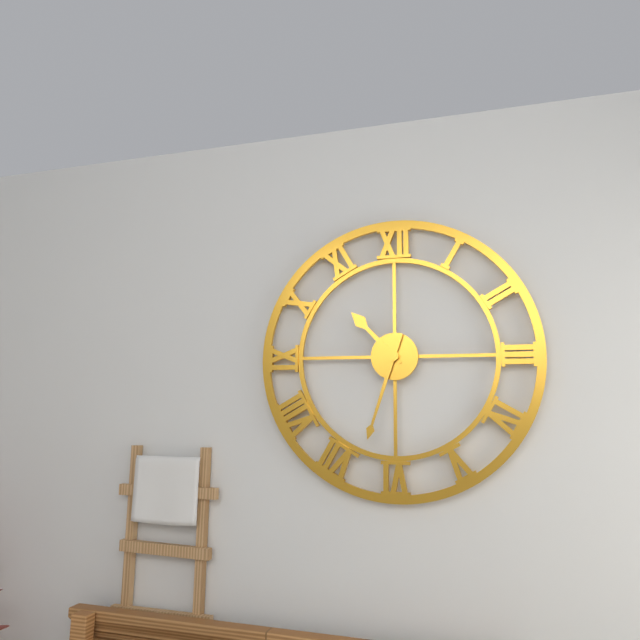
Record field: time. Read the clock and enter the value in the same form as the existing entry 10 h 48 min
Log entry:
10 h 33 min
